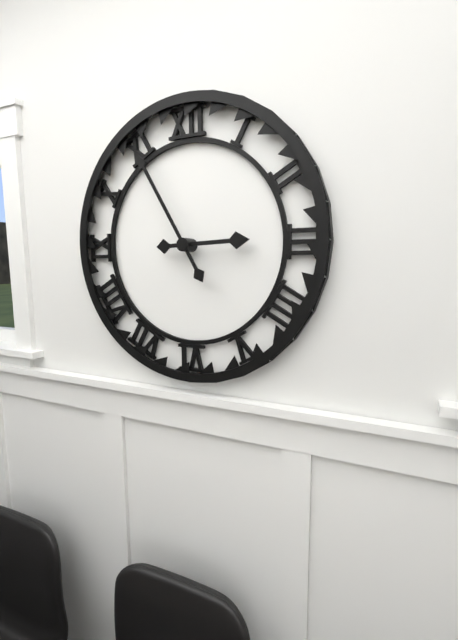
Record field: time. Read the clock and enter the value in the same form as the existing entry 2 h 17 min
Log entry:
2 h 55 min
